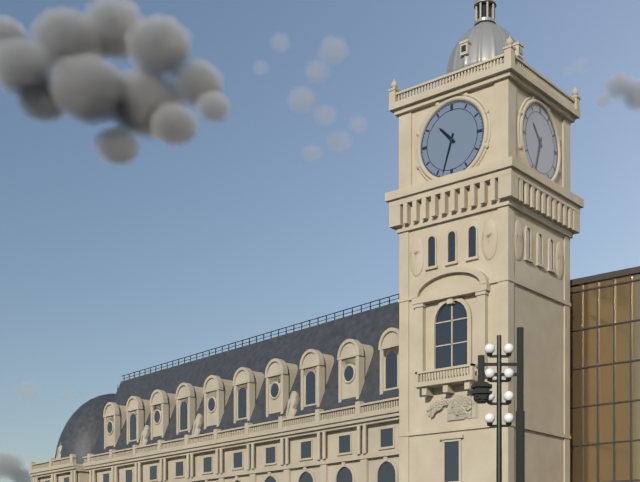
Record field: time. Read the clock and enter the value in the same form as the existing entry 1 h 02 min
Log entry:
10 h 33 min
